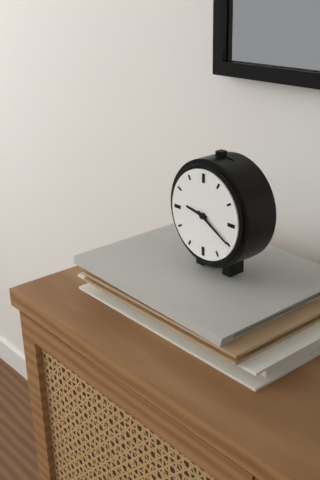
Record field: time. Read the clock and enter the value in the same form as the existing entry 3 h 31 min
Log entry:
9 h 20 min
